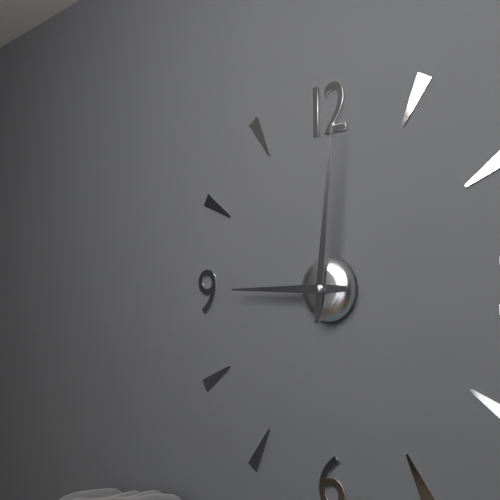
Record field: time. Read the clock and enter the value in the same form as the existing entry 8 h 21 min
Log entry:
9 h 01 min
